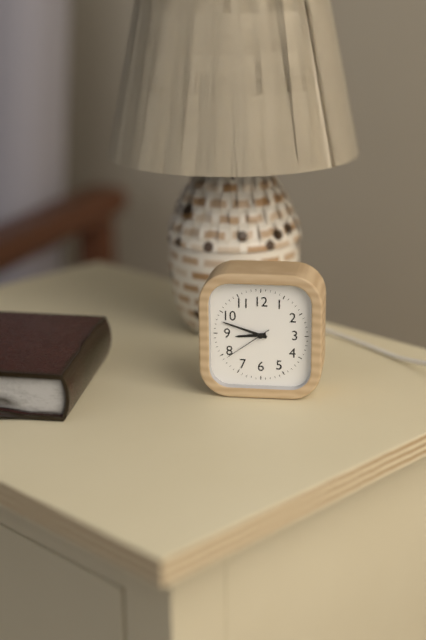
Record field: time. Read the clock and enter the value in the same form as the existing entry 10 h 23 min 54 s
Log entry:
8 h 48 min 39 s
